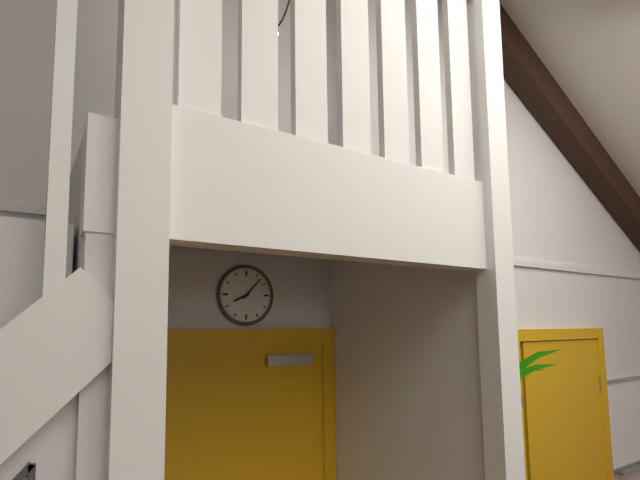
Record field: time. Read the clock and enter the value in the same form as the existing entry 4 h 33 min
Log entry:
8 h 07 min
